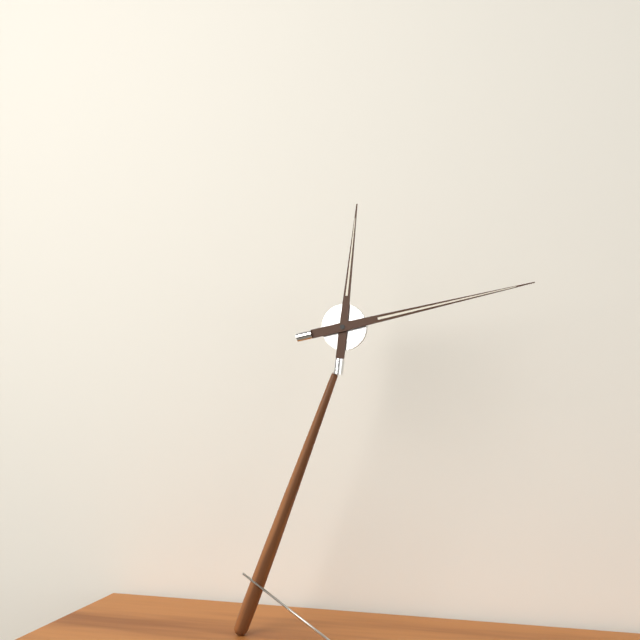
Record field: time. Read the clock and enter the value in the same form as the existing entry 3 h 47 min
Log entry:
12 h 13 min
